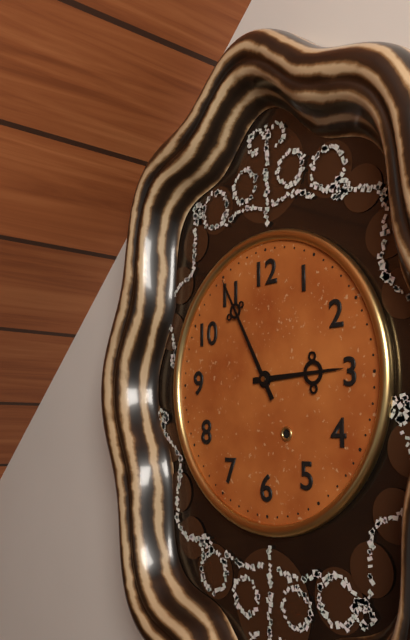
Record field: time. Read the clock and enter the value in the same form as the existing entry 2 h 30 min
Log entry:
2 h 55 min
